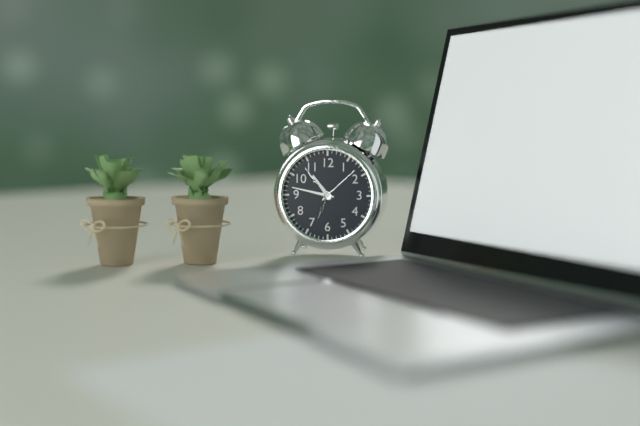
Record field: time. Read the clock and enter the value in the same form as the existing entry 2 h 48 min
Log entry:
10 h 47 min
